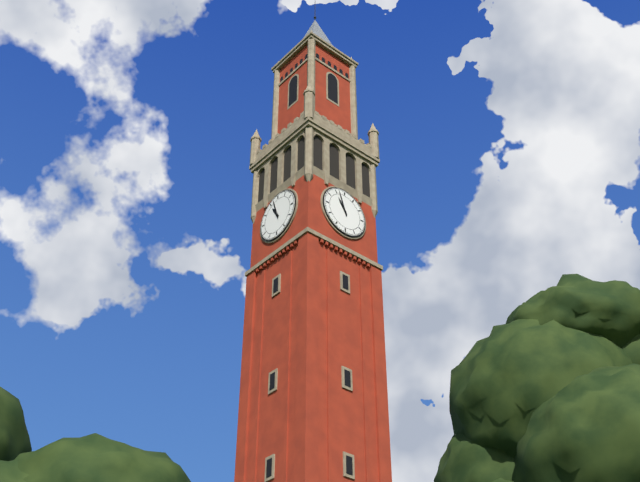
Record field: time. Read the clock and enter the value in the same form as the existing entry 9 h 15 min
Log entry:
10 h 57 min
